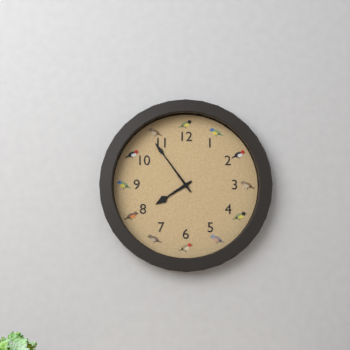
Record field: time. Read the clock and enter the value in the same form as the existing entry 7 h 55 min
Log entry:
7 h 54 min
